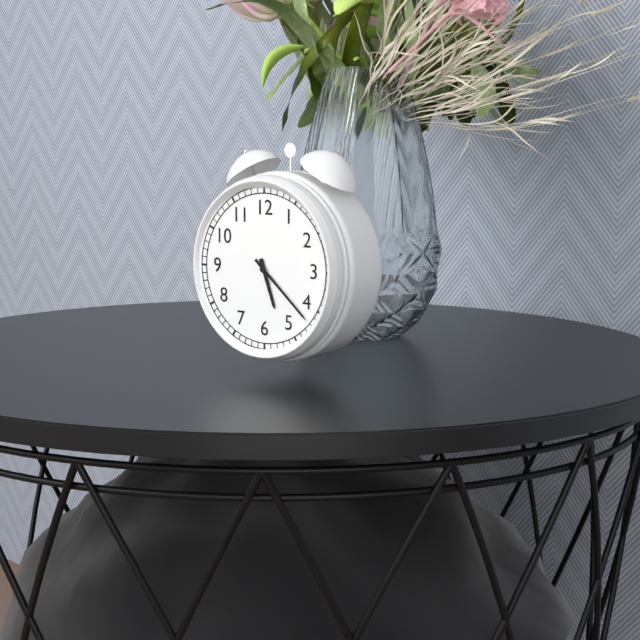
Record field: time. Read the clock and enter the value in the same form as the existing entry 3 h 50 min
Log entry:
5 h 22 min
